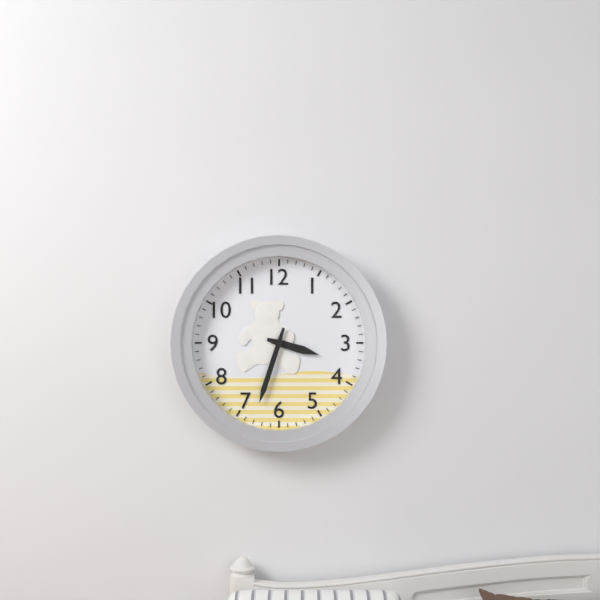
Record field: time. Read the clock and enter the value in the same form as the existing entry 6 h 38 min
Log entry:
3 h 33 min
